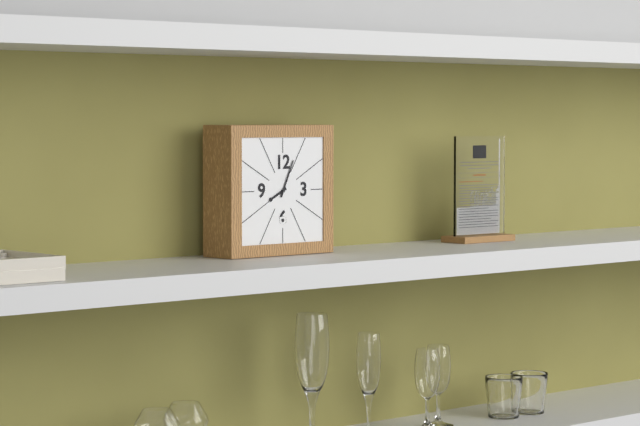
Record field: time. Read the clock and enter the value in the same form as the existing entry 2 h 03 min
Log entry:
8 h 04 min
